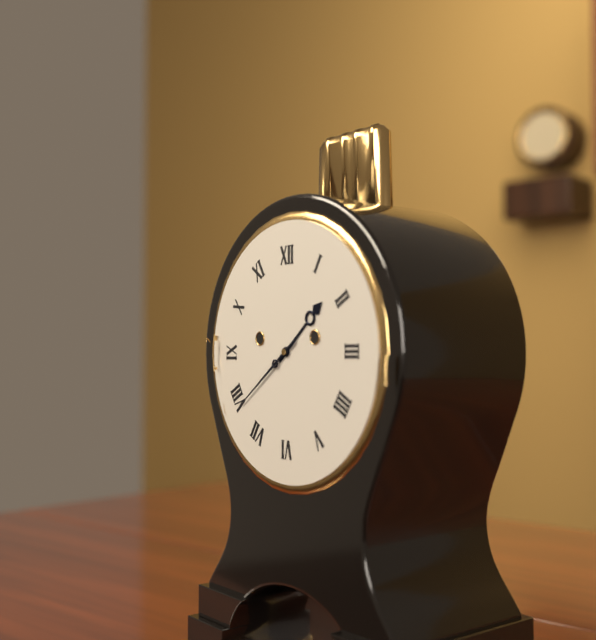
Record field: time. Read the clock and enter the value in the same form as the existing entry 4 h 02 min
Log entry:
1 h 39 min
